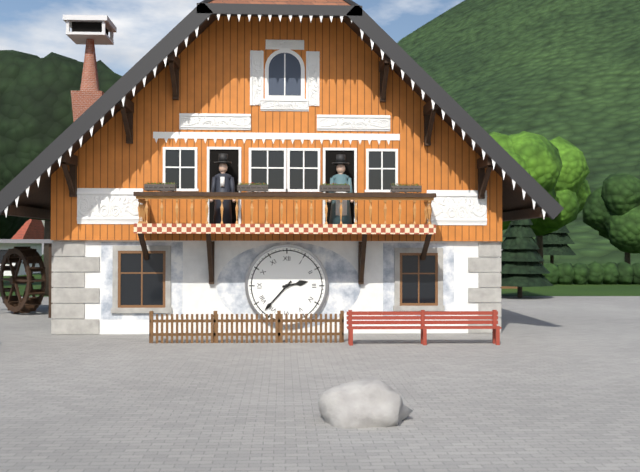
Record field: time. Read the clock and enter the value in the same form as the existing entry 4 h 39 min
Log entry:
2 h 37 min
